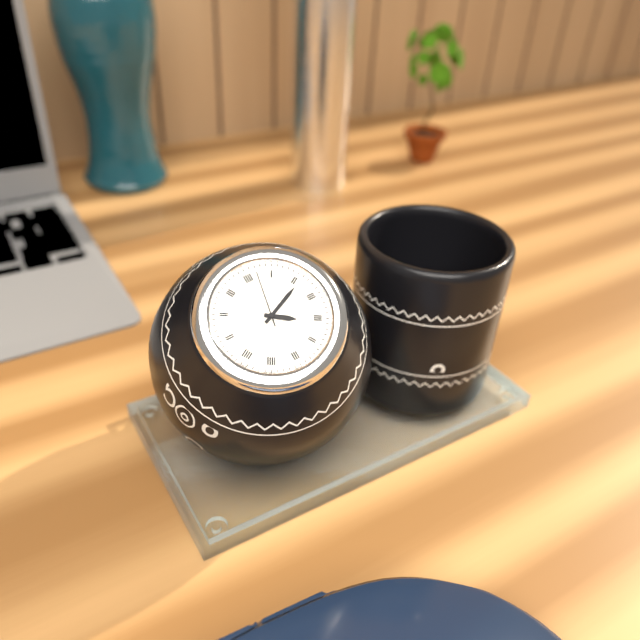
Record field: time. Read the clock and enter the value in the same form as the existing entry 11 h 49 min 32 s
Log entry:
4 h 11 min 02 s
